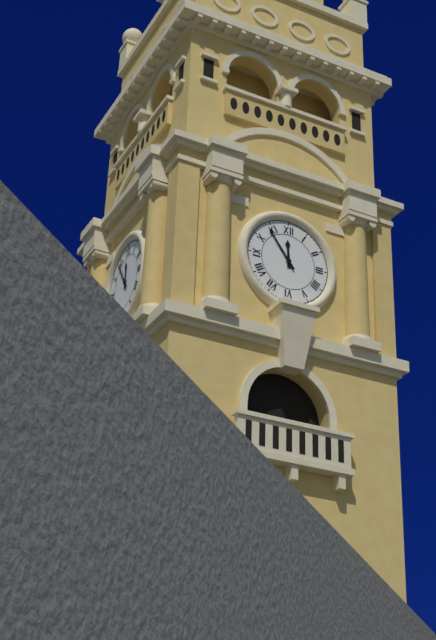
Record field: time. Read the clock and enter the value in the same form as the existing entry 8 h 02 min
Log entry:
11 h 54 min
